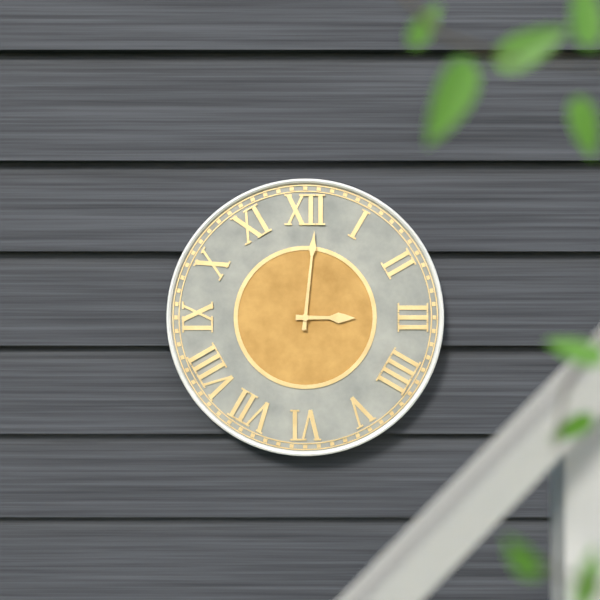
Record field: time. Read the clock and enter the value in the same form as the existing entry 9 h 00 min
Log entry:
3 h 01 min
